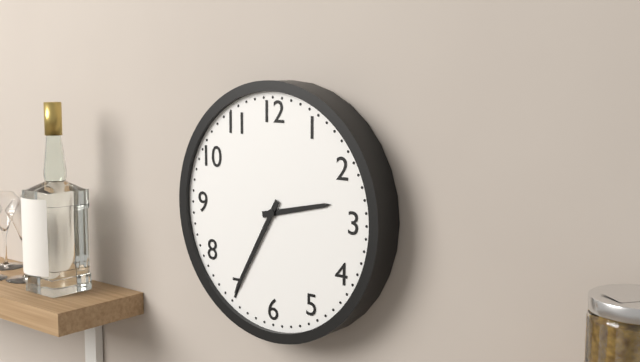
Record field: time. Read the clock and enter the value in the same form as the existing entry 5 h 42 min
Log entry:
2 h 35 min
